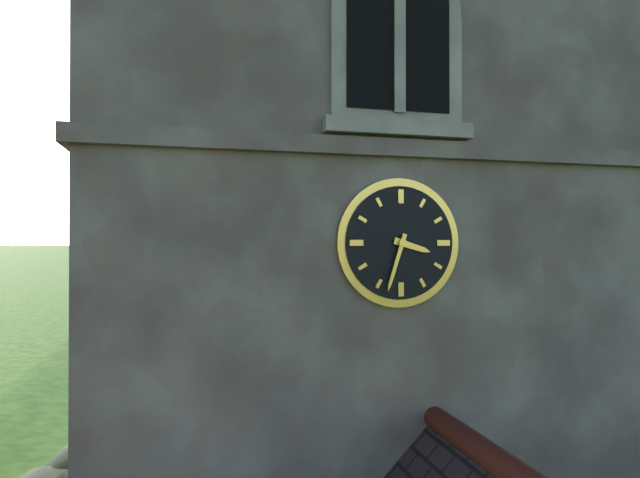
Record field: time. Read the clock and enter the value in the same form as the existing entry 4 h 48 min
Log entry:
3 h 33 min
